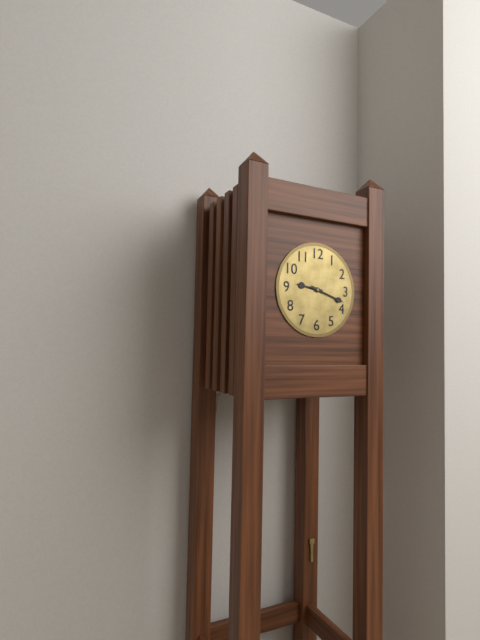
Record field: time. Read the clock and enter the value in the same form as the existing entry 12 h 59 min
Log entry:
9 h 18 min
